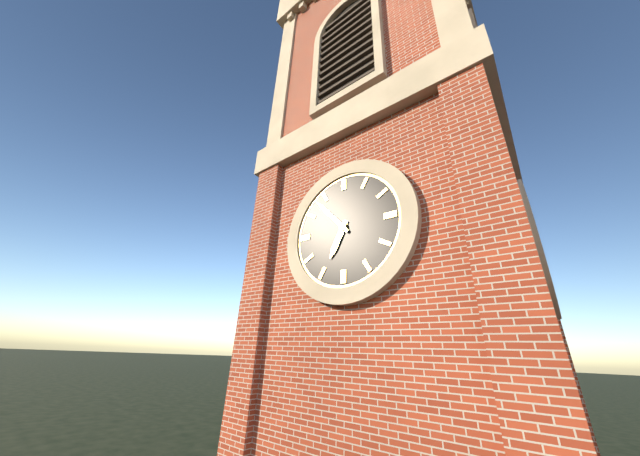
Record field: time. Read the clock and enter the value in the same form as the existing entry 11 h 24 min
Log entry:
6 h 53 min
